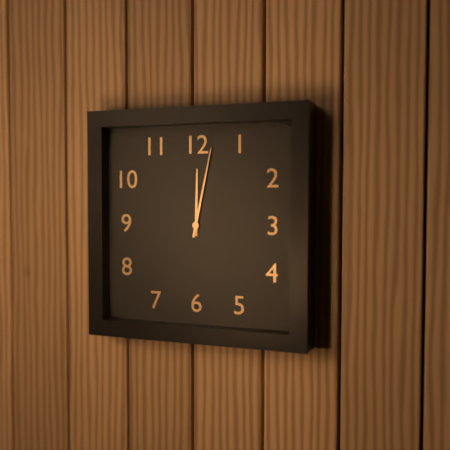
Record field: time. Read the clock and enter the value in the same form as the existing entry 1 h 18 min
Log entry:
12 h 02 min
